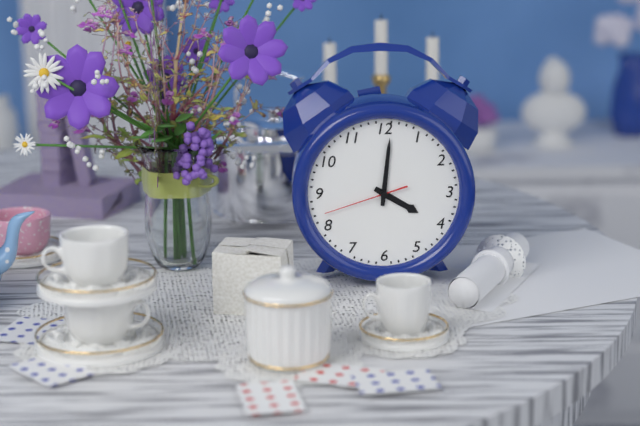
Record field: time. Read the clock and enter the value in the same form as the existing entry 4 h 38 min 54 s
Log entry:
4 h 01 min 42 s
